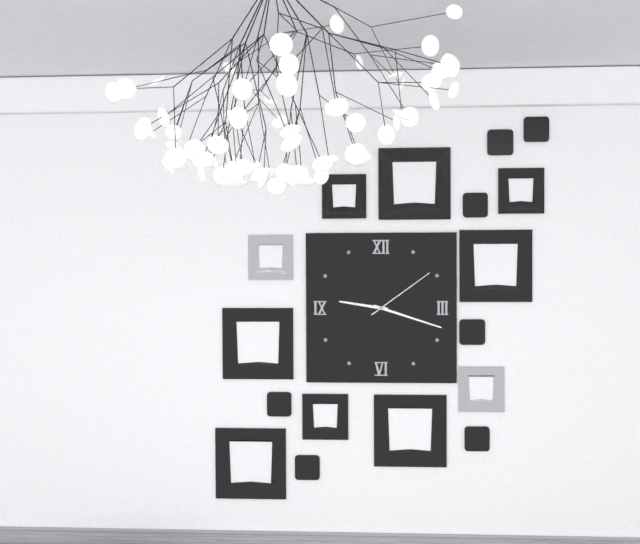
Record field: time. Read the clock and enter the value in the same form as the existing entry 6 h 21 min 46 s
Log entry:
9 h 18 min 09 s
